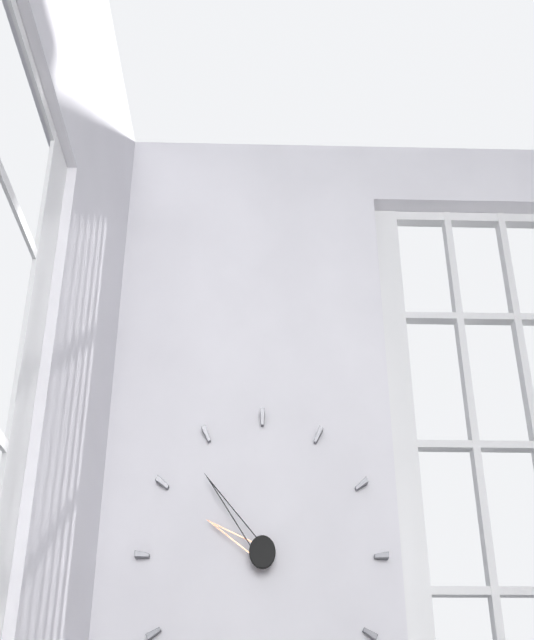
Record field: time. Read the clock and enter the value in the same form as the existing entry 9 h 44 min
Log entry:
9 h 53 min
